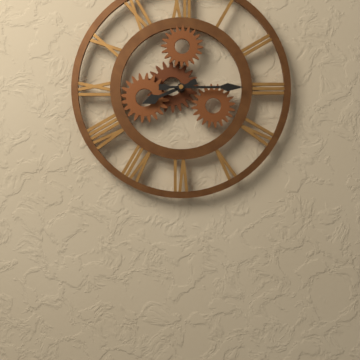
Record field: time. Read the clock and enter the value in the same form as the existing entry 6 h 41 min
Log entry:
8 h 15 min
